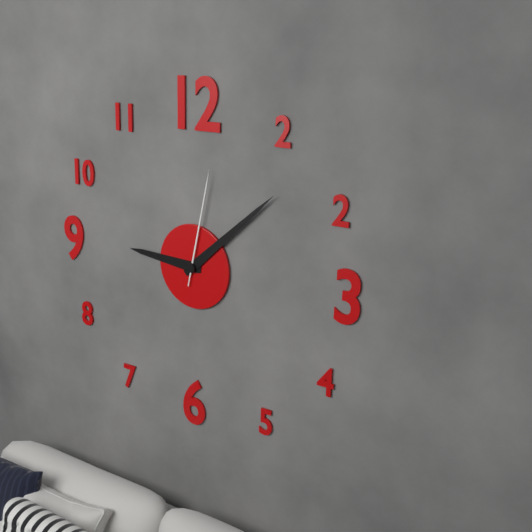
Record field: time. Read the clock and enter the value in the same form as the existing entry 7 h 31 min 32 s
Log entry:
9 h 08 min 02 s
